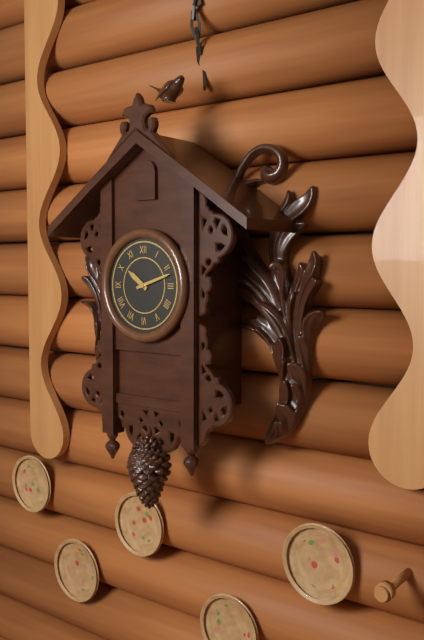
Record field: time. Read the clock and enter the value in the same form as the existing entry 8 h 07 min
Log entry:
10 h 12 min
